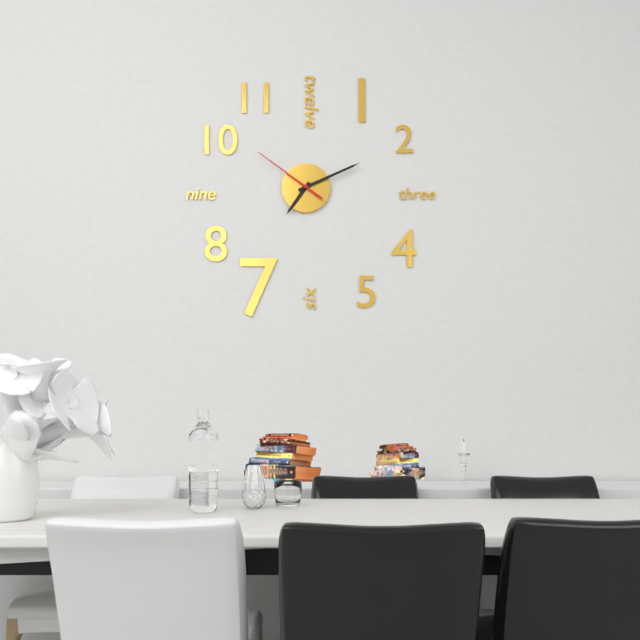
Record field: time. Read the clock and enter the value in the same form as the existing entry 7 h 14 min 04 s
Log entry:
7 h 11 min 51 s
